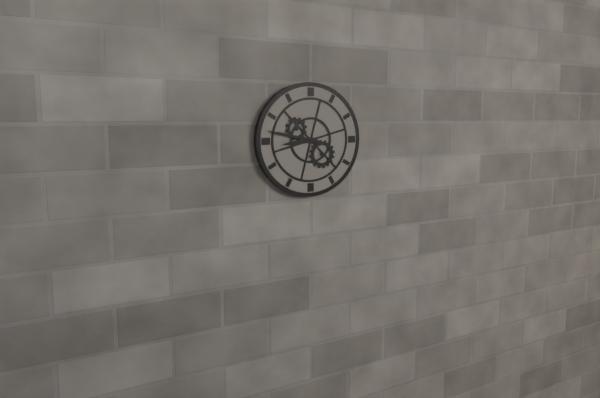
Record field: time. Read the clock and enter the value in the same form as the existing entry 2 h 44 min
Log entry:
8 h 47 min
